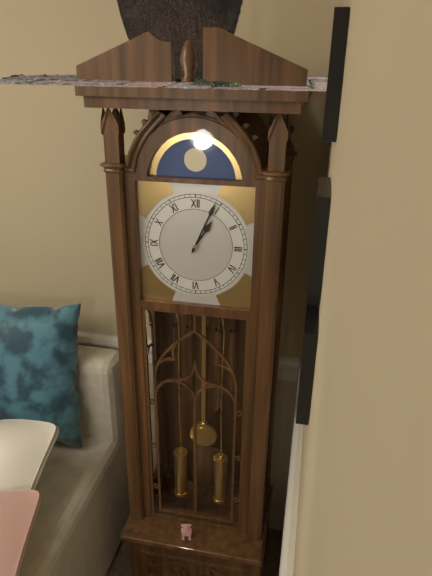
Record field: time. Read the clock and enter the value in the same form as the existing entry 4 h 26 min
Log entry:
1 h 04 min
